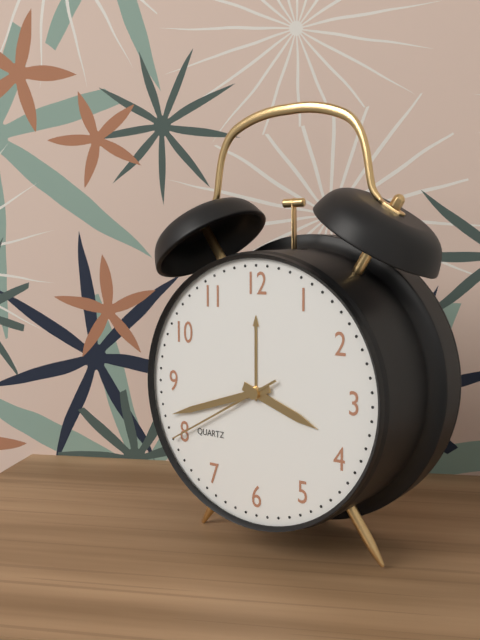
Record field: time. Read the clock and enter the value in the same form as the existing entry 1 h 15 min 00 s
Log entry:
3 h 42 min 40 s
